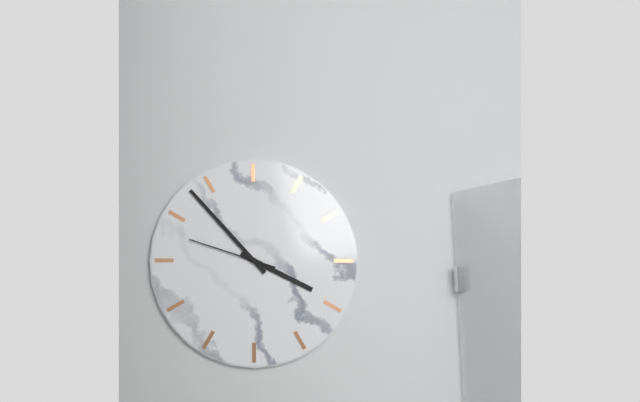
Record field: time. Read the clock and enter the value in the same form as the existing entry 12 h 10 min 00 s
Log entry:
3 h 53 min 48 s
